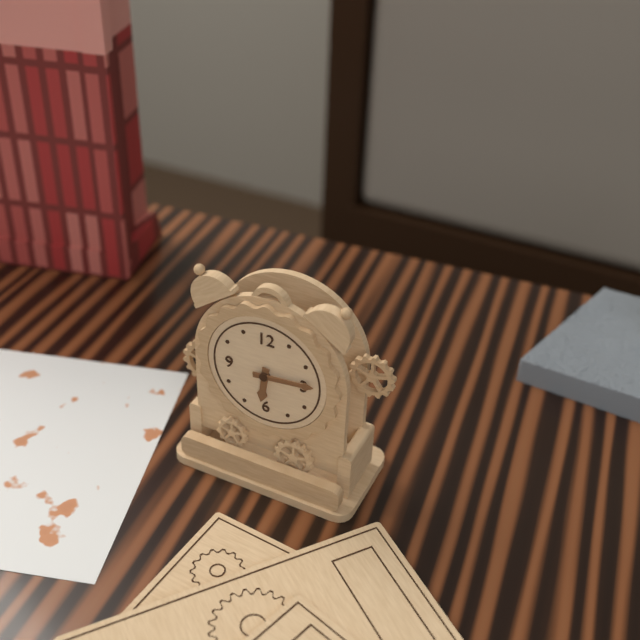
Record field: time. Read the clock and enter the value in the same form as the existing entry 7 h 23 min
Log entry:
6 h 14 min
